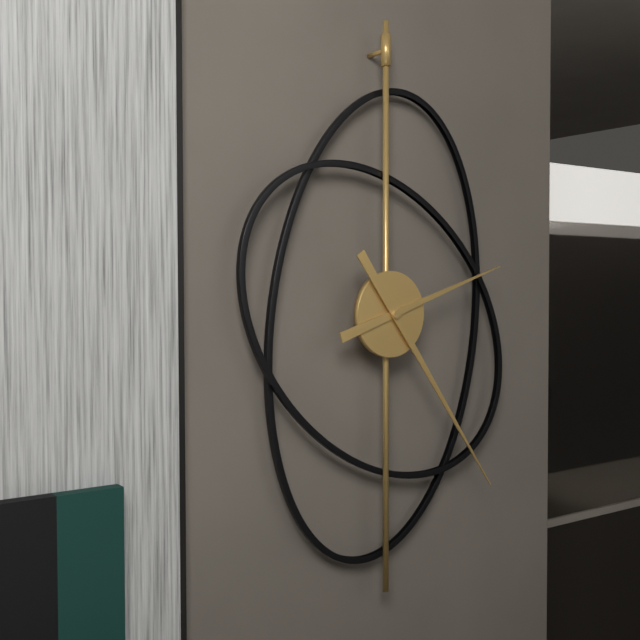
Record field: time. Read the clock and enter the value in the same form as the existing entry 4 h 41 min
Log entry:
2 h 24 min
